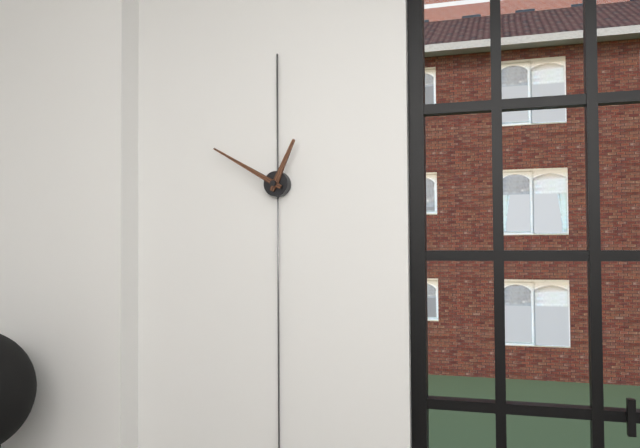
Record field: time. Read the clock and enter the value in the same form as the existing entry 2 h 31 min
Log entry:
12 h 50 min
